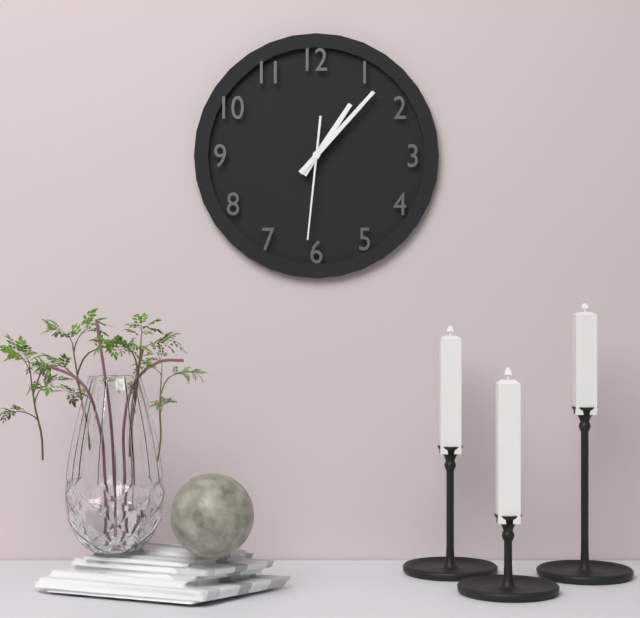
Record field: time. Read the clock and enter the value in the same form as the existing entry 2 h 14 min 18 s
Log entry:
1 h 07 min 31 s
